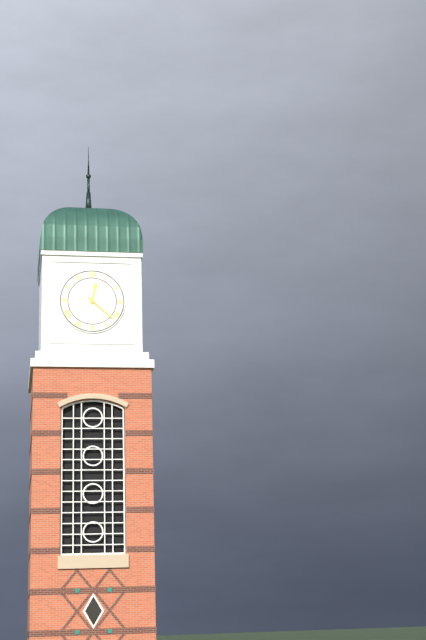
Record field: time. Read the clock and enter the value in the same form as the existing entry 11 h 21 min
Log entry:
12 h 22 min
